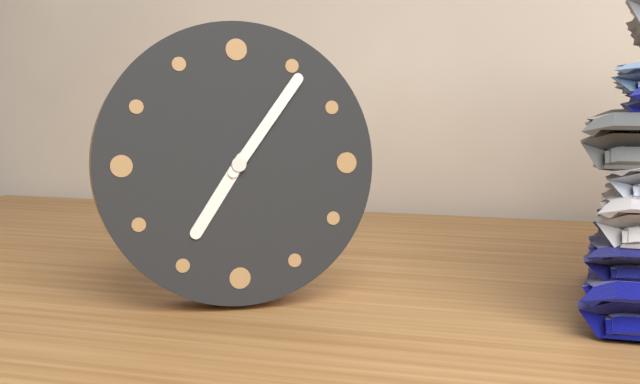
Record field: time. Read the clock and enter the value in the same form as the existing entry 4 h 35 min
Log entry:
7 h 06 min
